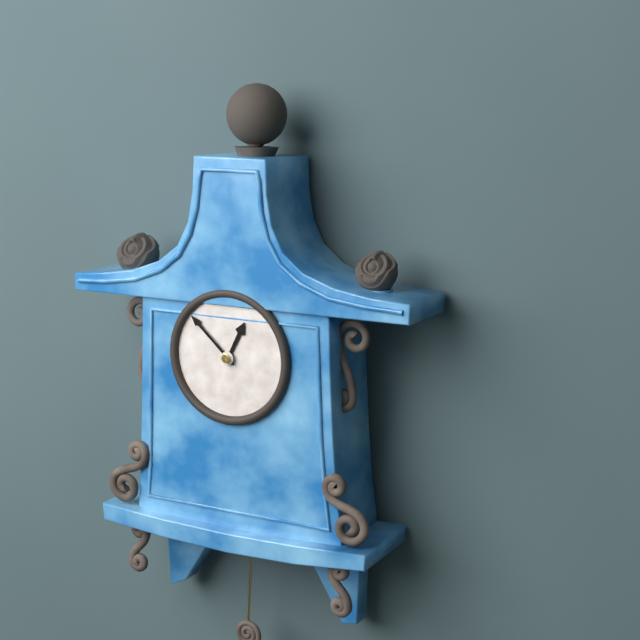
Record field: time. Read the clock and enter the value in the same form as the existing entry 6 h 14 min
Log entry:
12 h 52 min
